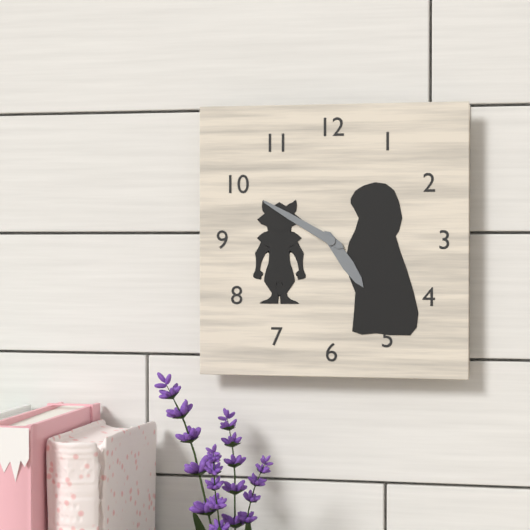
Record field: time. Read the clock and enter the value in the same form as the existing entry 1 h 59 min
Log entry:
4 h 50 min
